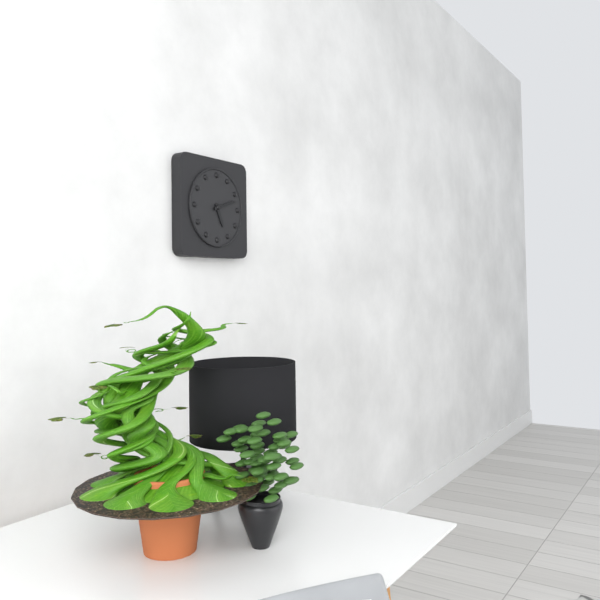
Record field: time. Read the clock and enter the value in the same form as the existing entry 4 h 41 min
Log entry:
5 h 12 min
